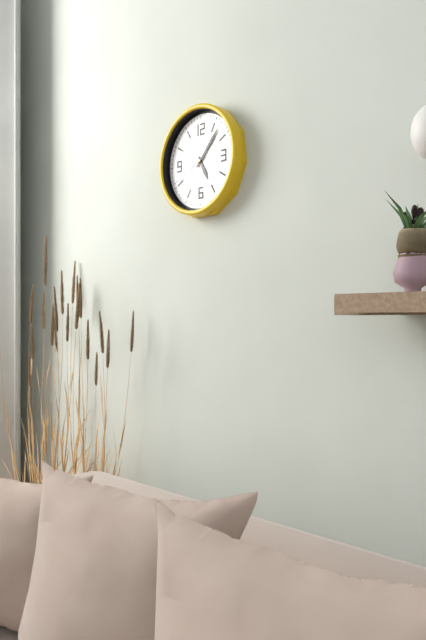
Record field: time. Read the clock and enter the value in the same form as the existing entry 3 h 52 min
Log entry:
5 h 07 min
